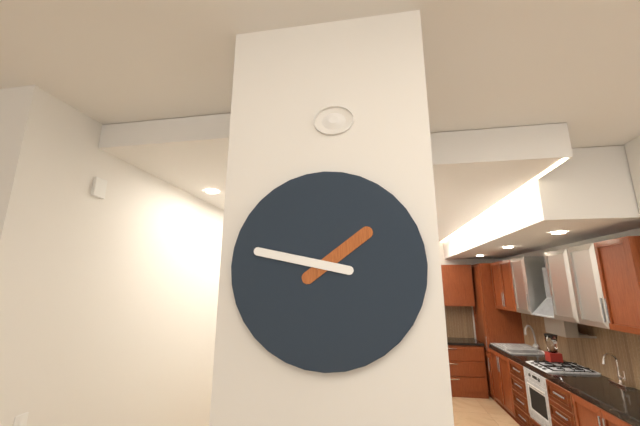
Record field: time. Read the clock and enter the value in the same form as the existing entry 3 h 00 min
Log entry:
1 h 47 min
